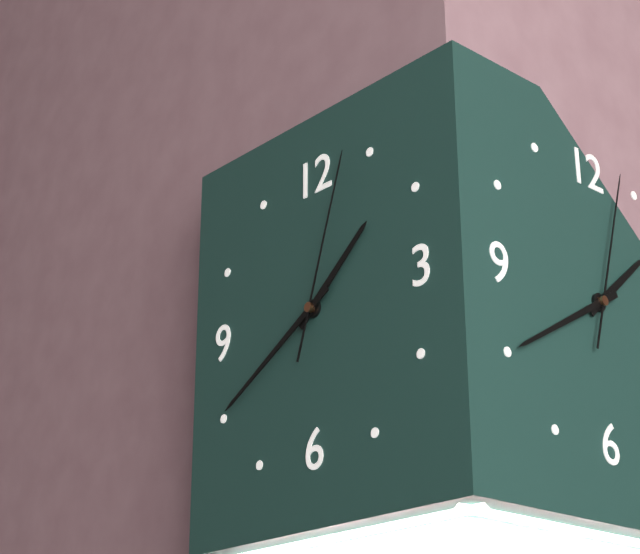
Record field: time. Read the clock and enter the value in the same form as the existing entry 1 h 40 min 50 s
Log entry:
1 h 40 min 03 s
